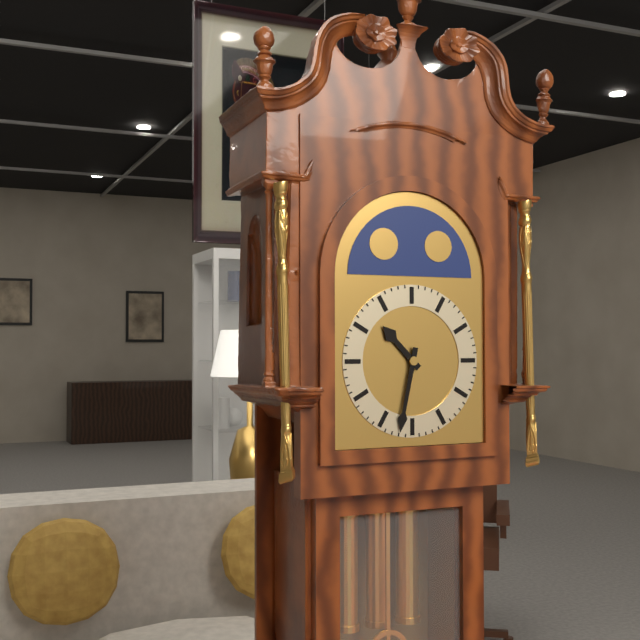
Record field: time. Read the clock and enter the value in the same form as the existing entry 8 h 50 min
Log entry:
10 h 32 min
